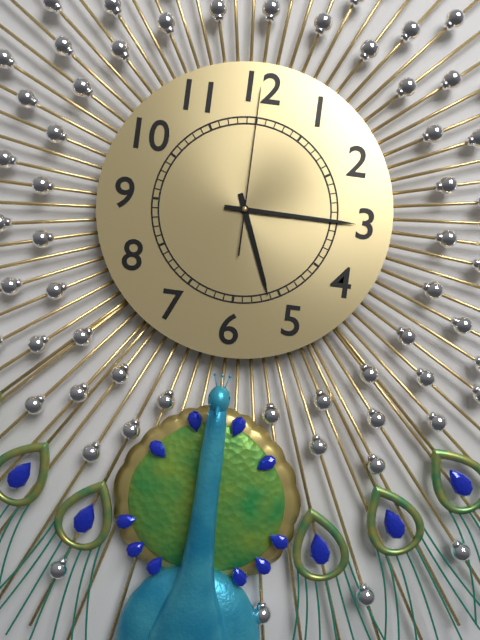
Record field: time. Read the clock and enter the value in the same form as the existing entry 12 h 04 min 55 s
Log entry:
5 h 15 min 00 s
